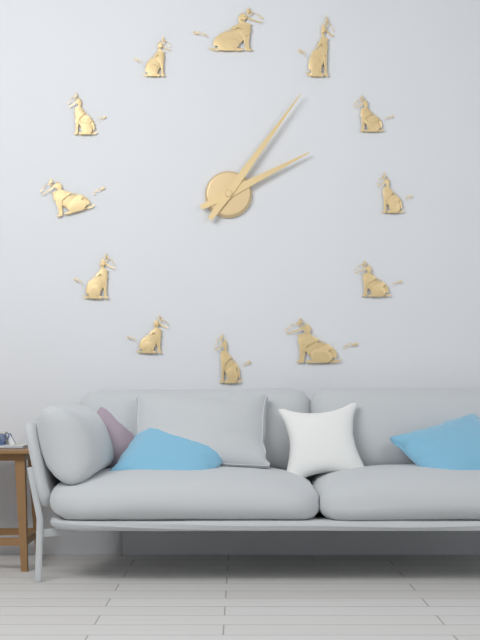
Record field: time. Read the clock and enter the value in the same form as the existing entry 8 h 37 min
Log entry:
2 h 06 min
